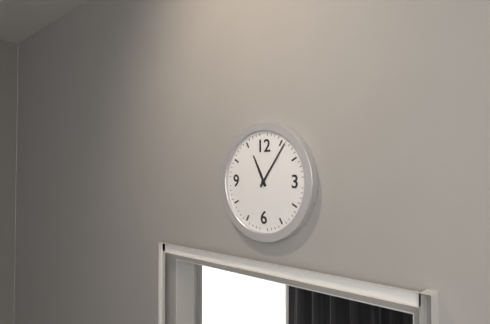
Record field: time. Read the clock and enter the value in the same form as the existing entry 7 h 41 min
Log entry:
11 h 06 min
